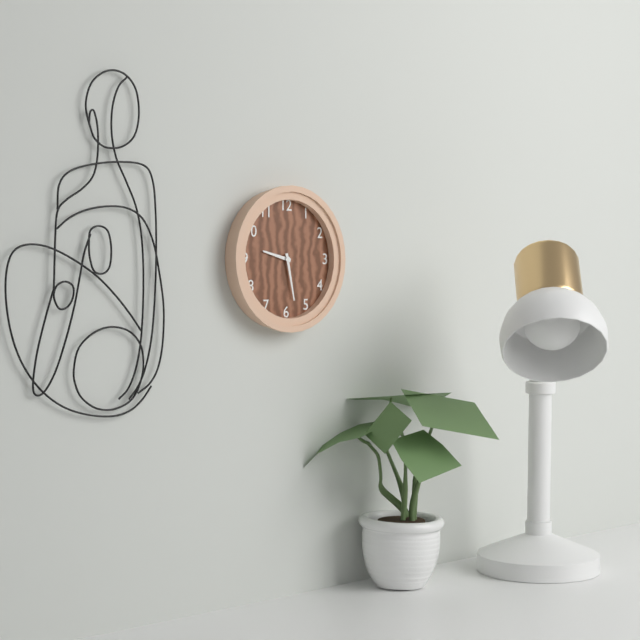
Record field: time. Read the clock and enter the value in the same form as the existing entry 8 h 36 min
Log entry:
9 h 28 min
